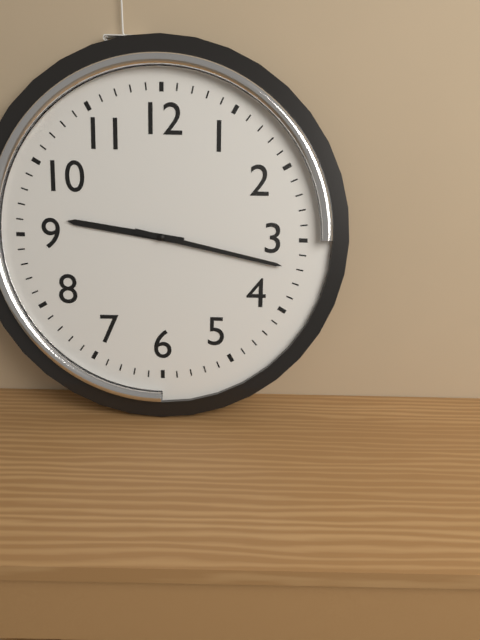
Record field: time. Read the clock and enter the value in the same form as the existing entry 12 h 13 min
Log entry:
9 h 17 min
